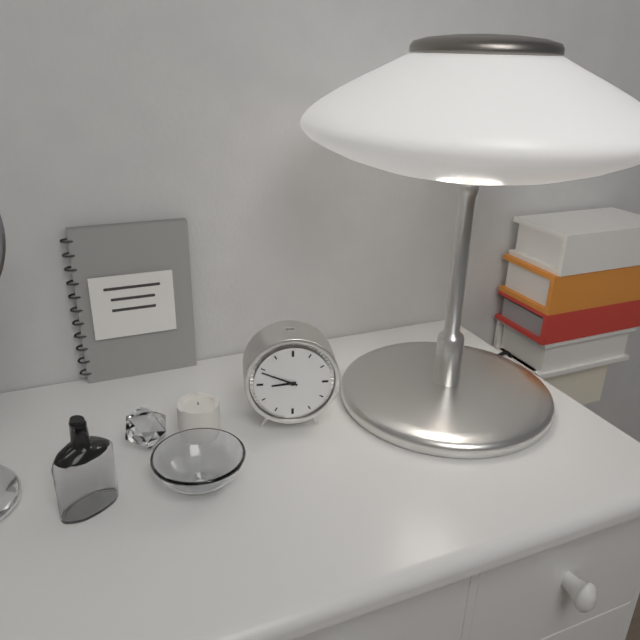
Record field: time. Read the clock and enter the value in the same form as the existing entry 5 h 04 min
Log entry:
8 h 49 min
